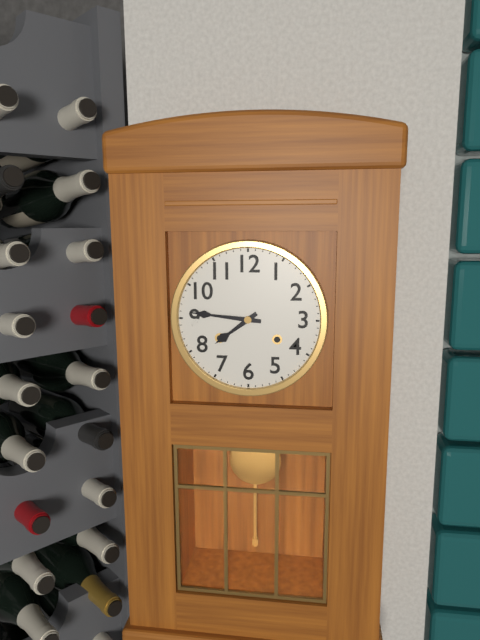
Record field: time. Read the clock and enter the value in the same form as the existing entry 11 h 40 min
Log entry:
7 h 46 min
